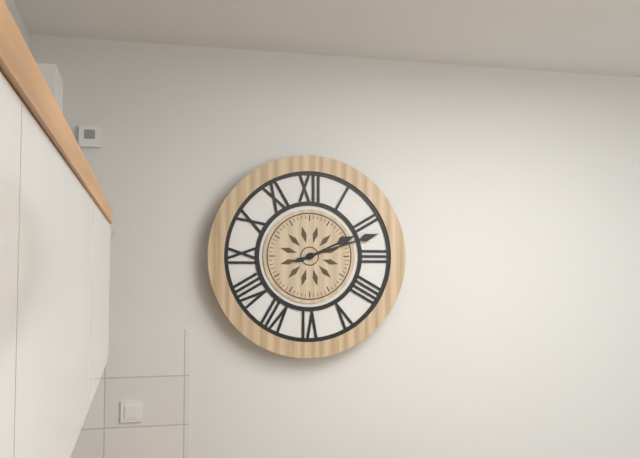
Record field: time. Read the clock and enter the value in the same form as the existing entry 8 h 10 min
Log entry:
2 h 12 min
